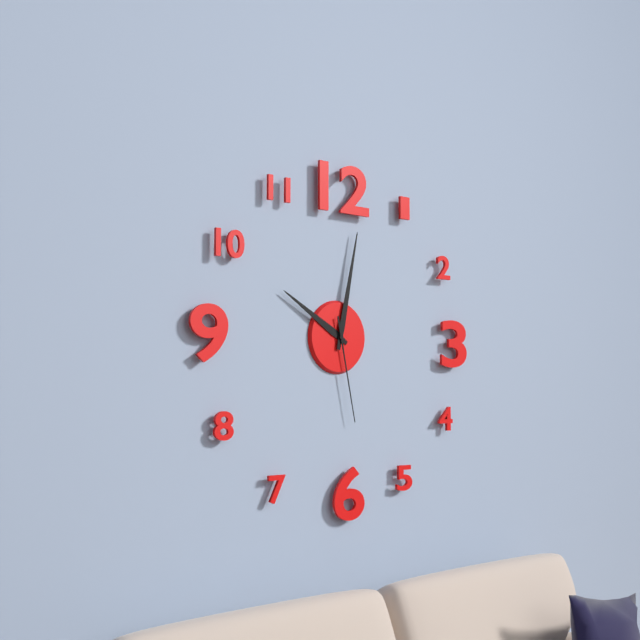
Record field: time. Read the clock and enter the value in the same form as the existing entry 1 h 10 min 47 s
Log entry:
10 h 02 min 28 s
